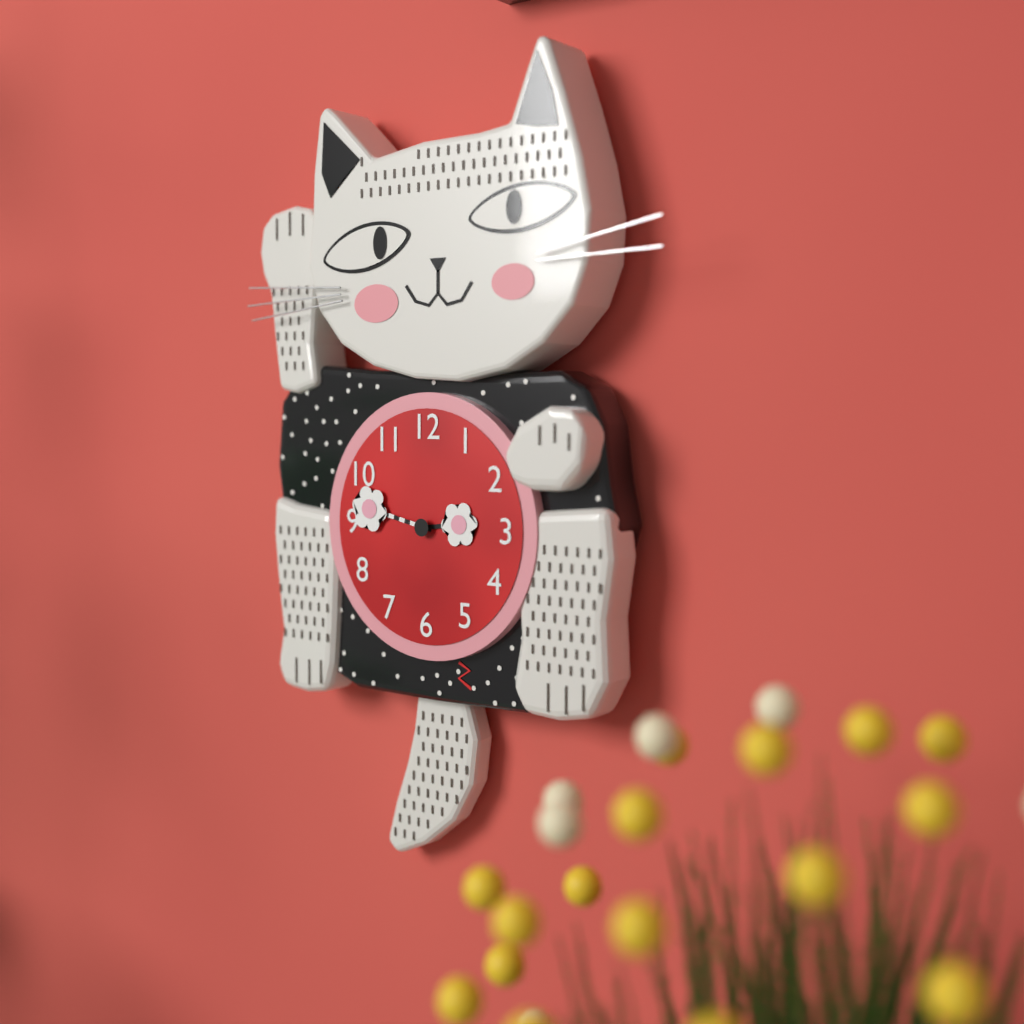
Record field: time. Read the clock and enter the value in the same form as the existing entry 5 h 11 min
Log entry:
2 h 47 min
